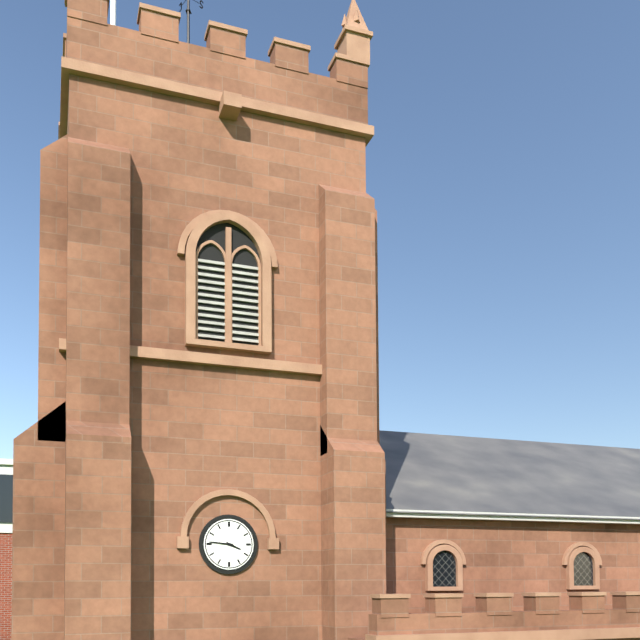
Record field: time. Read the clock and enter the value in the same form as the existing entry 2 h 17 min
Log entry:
3 h 46 min
